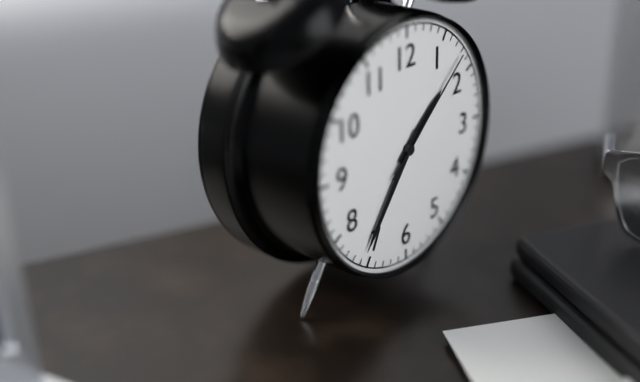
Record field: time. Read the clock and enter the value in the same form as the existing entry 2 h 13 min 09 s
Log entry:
1 h 36 min 08 s
